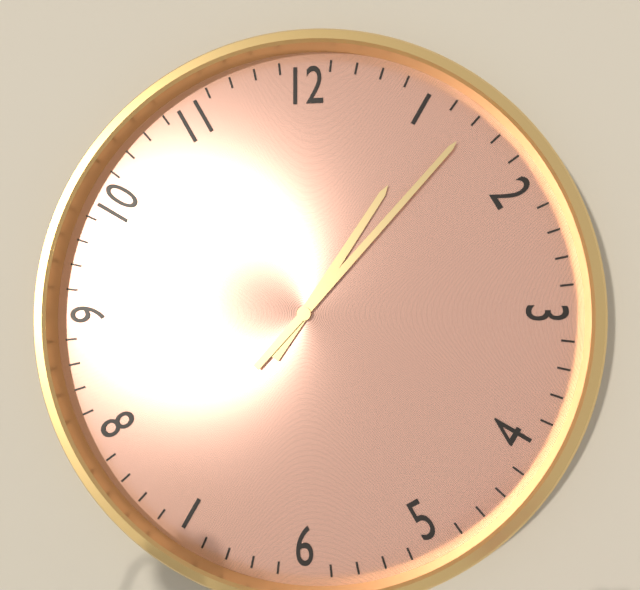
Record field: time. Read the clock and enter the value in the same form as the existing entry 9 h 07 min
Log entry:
1 h 07 min
